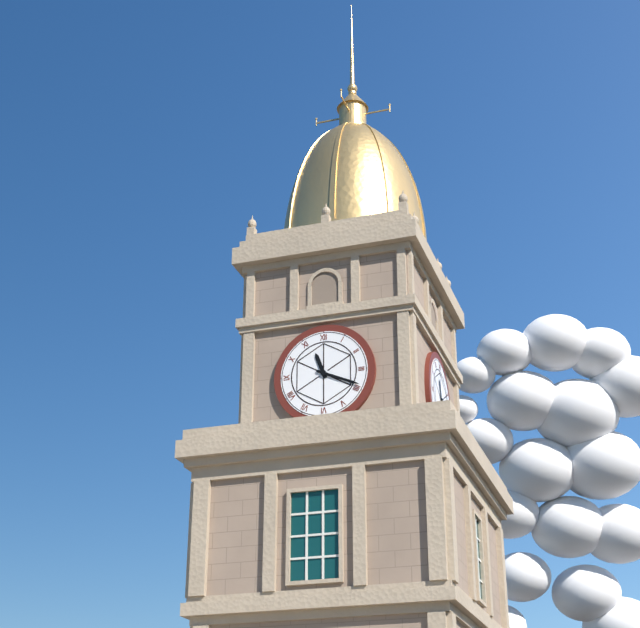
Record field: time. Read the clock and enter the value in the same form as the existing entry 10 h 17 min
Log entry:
11 h 19 min
